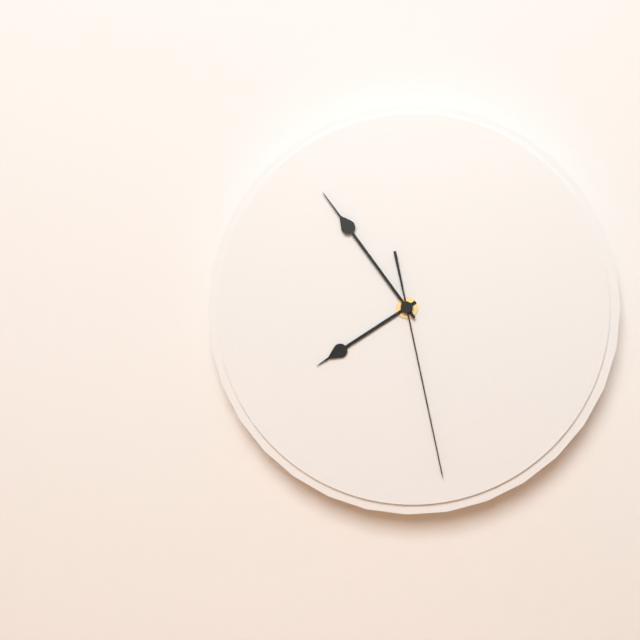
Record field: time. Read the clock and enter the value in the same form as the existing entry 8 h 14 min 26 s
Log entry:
7 h 54 min 28 s
